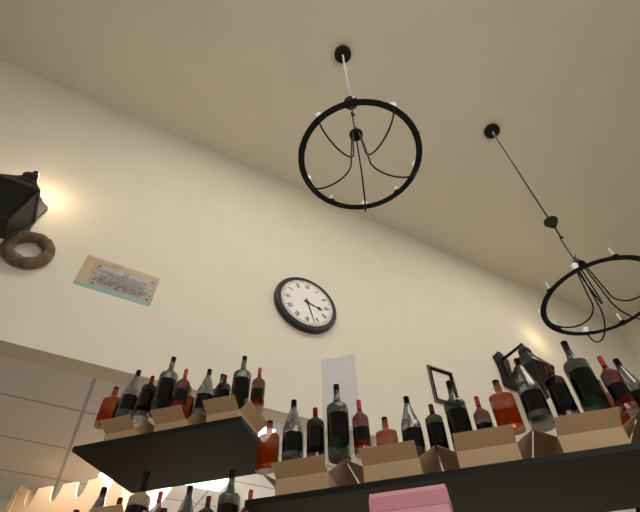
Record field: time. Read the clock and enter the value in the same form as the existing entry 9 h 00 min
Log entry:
3 h 27 min
